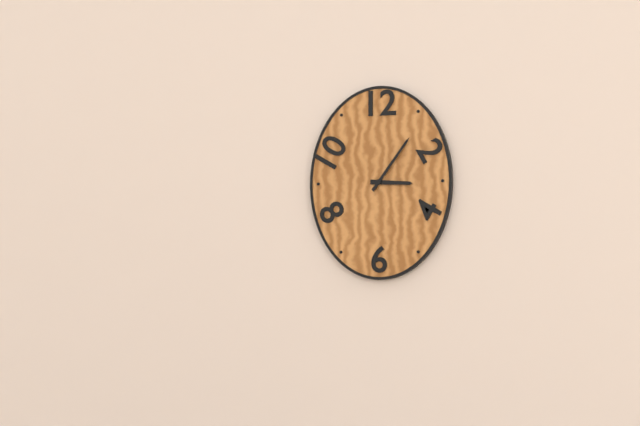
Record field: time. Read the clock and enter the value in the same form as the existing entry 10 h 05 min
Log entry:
3 h 06 min
